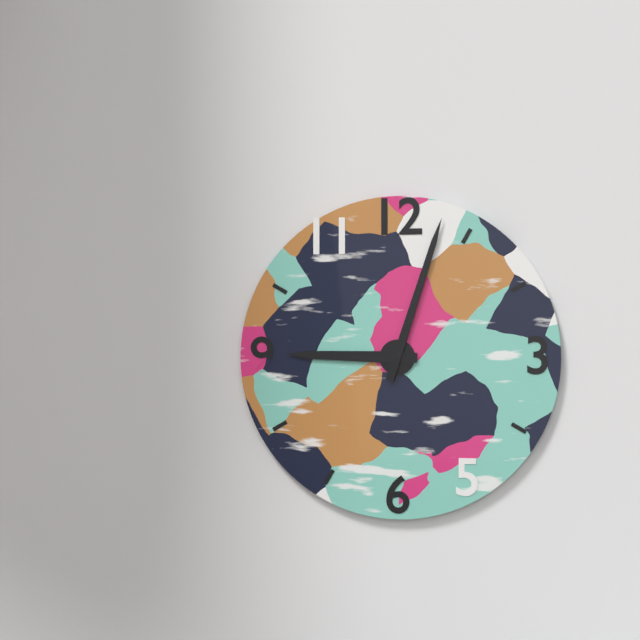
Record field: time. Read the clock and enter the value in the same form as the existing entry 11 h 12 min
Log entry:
9 h 03 min
